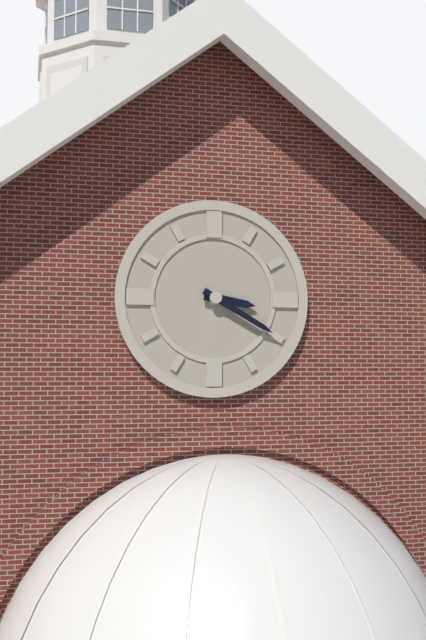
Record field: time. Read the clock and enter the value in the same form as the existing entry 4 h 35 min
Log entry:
3 h 20 min
